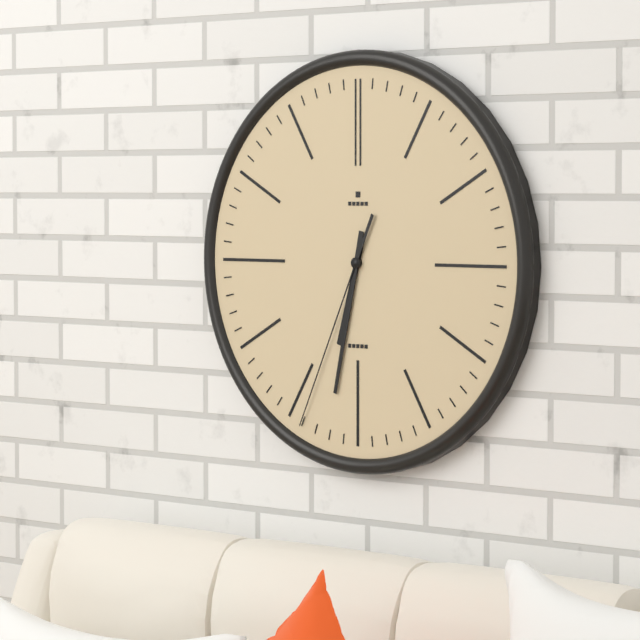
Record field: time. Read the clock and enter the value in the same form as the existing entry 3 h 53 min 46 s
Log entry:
6 h 32 min 34 s
